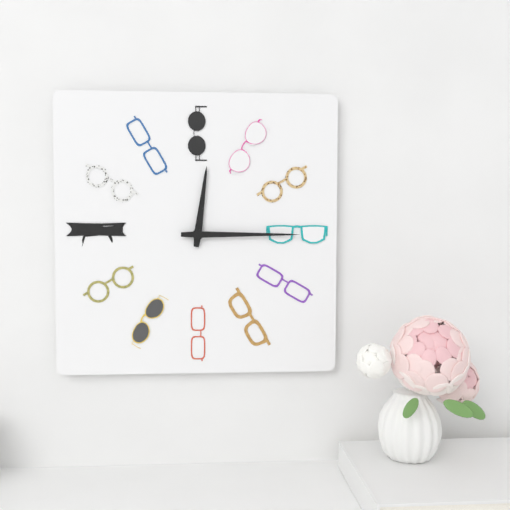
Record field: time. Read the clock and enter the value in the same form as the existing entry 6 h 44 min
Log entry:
12 h 15 min
